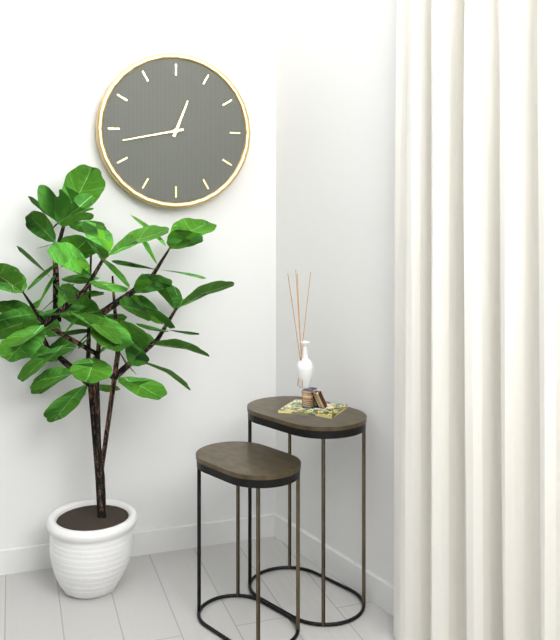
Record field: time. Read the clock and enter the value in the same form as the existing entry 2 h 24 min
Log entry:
12 h 43 min
